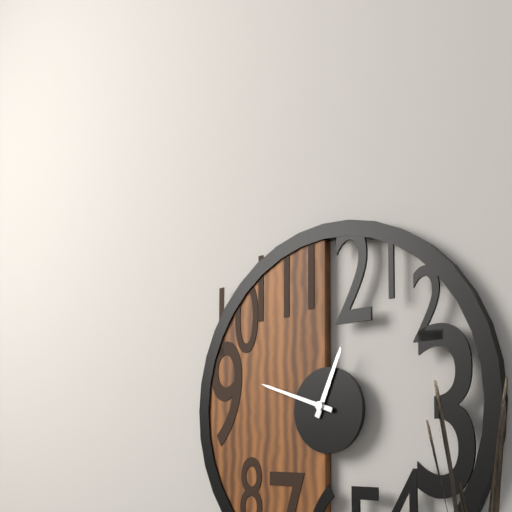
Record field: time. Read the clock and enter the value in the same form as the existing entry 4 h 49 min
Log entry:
12 h 48 min
